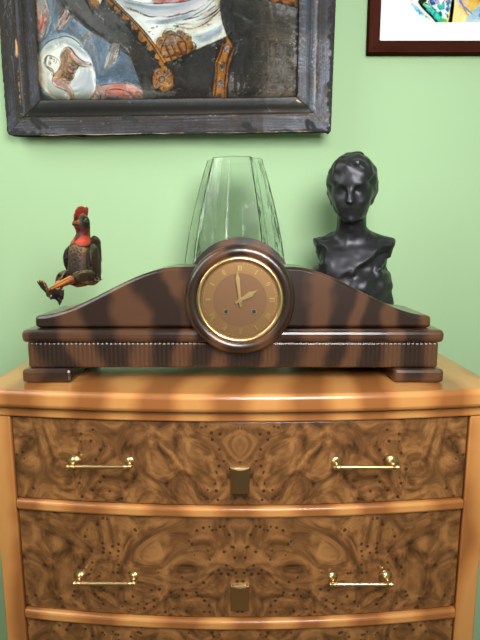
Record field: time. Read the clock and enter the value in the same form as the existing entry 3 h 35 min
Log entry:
1 h 59 min
